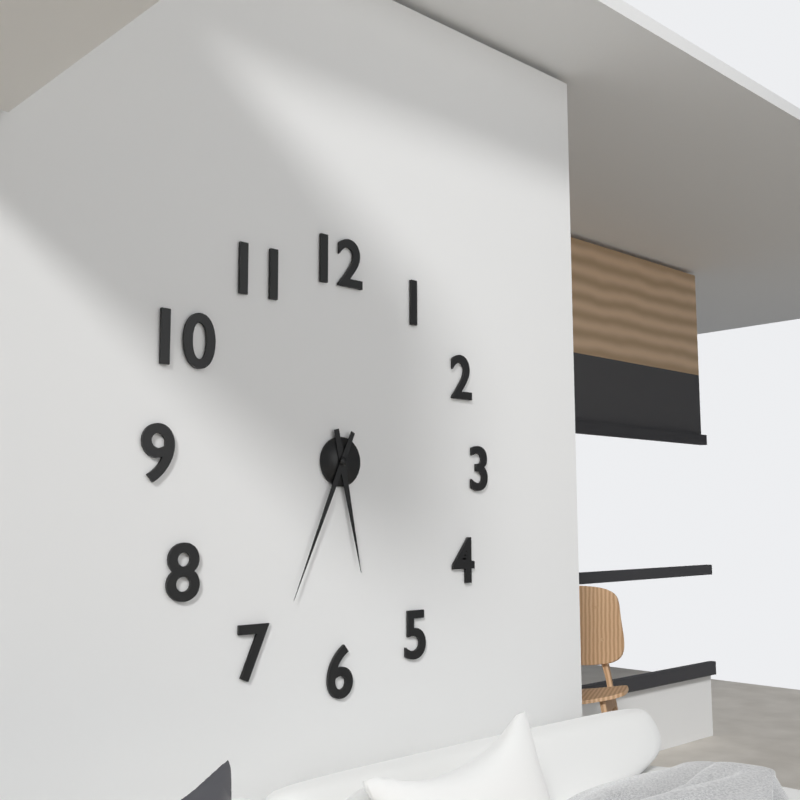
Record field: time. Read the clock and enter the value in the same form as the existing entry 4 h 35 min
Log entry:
5 h 34 min
